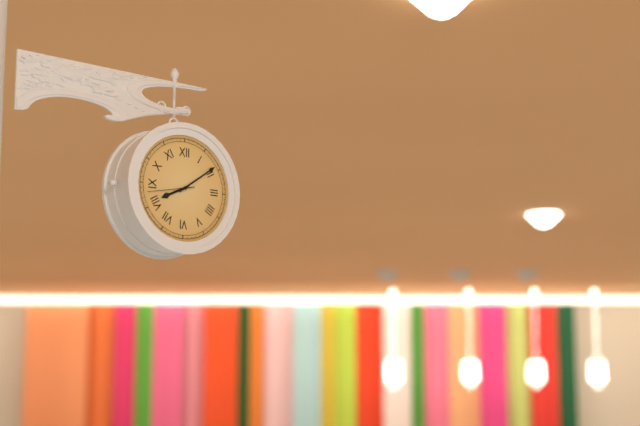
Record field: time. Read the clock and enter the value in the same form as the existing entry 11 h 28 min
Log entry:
8 h 09 min
